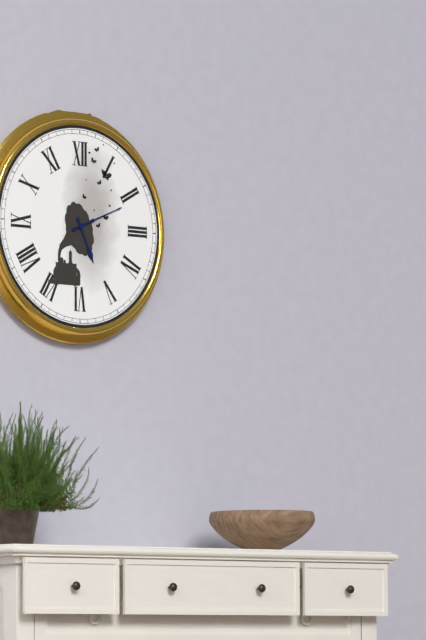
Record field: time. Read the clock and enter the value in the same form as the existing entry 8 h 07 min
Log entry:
5 h 11 min
